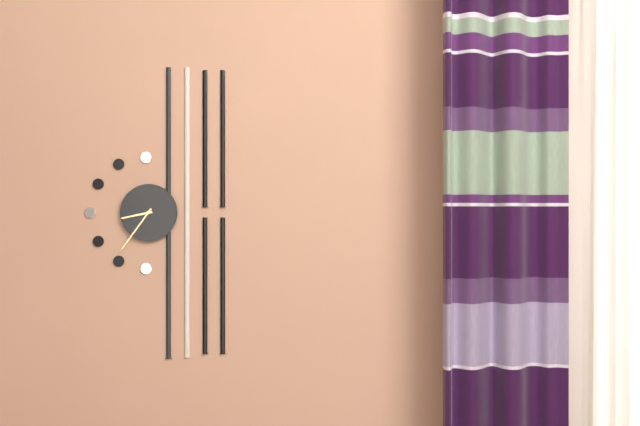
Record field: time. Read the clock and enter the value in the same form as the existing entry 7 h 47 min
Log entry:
8 h 36 min
